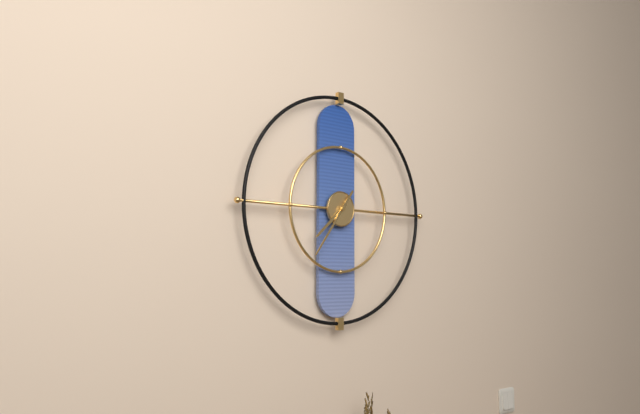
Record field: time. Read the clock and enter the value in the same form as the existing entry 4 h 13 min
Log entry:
7 h 36 min
